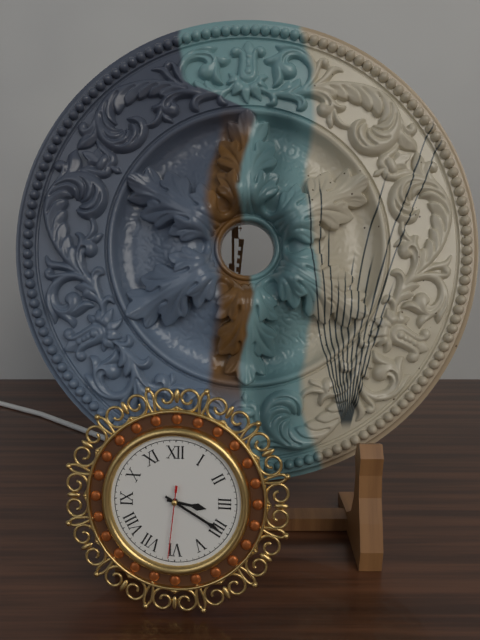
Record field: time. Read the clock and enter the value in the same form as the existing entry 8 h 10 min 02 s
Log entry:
3 h 20 min 31 s
